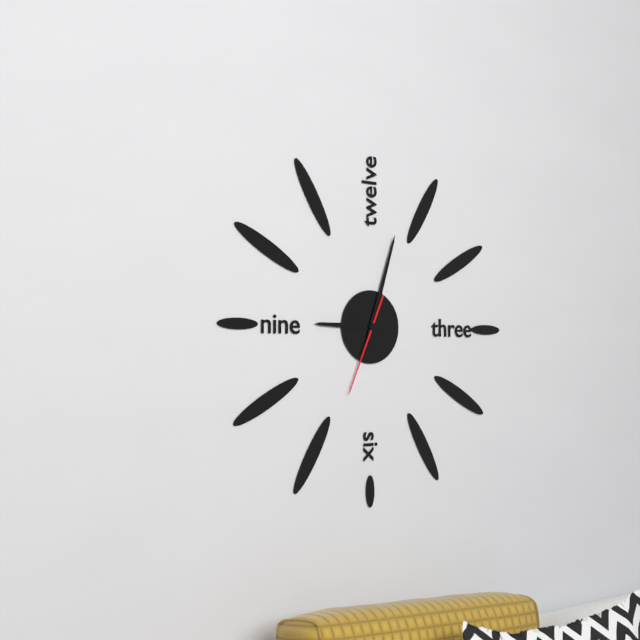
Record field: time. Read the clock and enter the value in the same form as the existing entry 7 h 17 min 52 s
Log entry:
9 h 03 min 34 s
